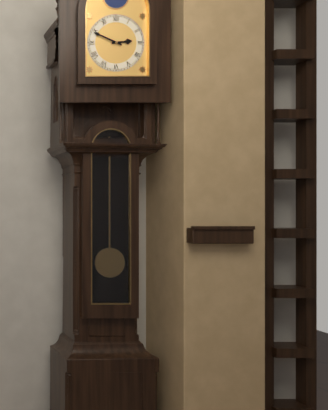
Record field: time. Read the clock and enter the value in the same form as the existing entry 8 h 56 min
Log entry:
2 h 49 min
